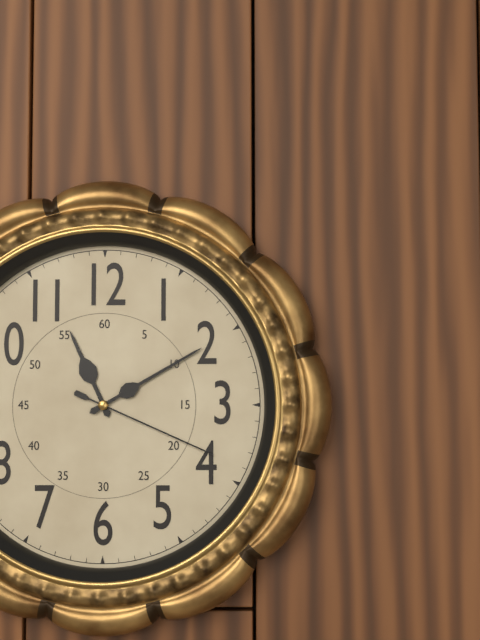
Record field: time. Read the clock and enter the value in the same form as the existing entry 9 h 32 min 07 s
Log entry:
11 h 10 min 19 s
